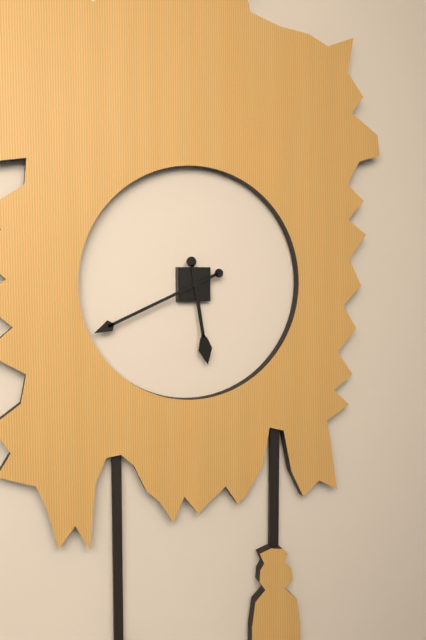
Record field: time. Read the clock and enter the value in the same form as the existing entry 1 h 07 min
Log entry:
5 h 41 min
